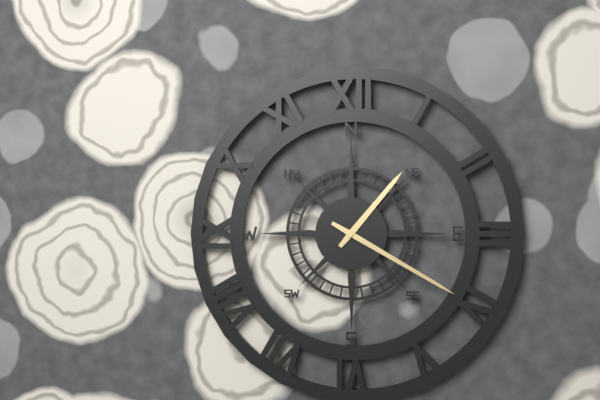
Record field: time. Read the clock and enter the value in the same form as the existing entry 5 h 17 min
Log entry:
1 h 20 min
